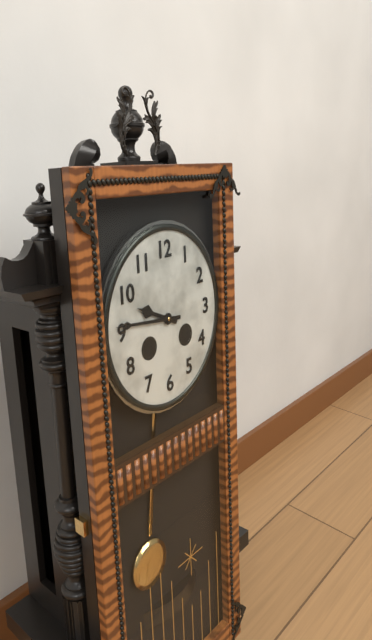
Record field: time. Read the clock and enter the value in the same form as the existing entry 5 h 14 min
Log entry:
9 h 46 min
